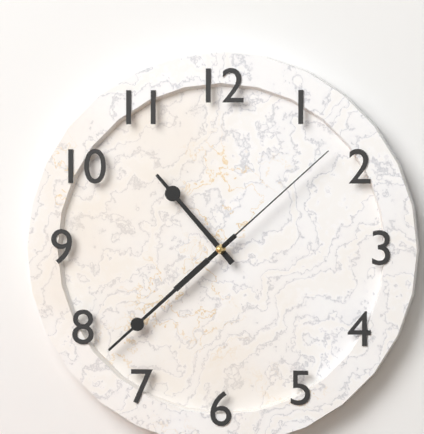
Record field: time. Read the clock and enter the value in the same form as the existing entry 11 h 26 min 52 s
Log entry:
10 h 38 min 08 s
